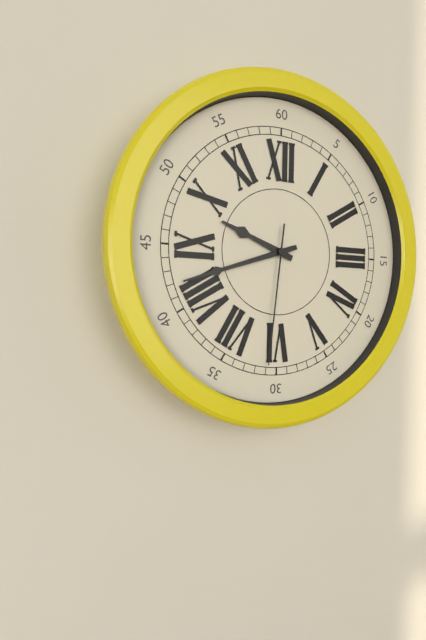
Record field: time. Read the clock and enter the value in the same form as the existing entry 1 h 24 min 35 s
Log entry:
9 h 42 min 31 s
